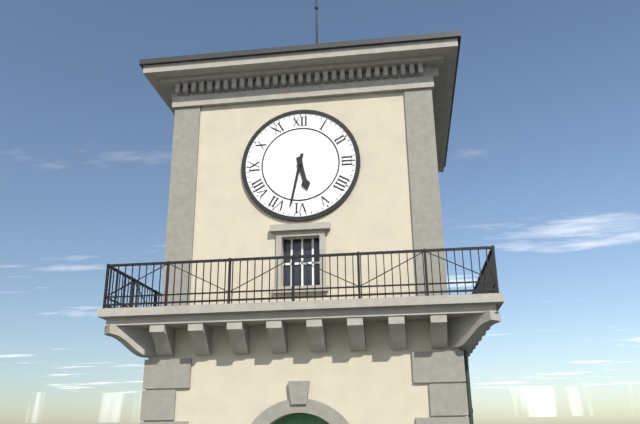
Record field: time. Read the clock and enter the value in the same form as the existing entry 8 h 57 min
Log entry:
5 h 32 min
